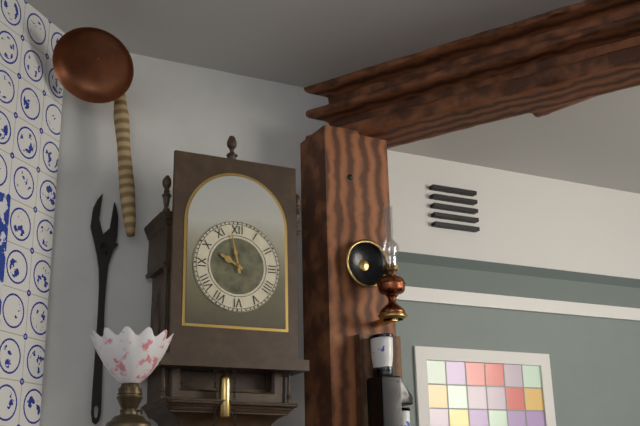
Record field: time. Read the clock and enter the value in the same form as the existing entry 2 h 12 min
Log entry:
9 h 58 min
